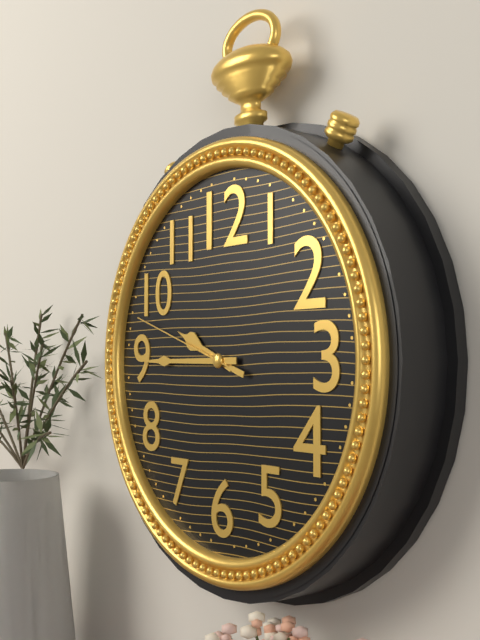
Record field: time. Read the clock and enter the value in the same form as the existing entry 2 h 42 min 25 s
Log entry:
9 h 45 min 48 s
